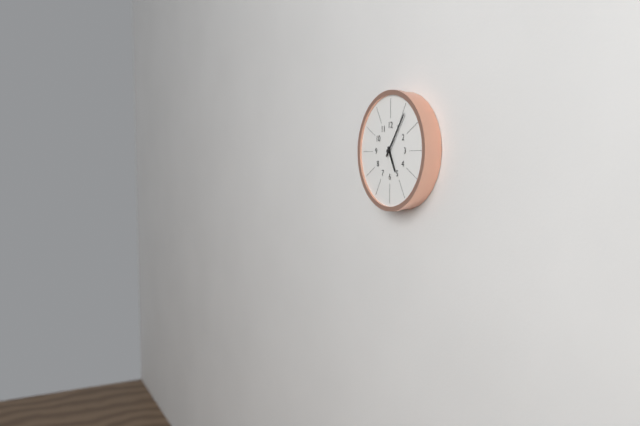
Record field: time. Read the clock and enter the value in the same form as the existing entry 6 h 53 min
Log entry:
5 h 06 min
